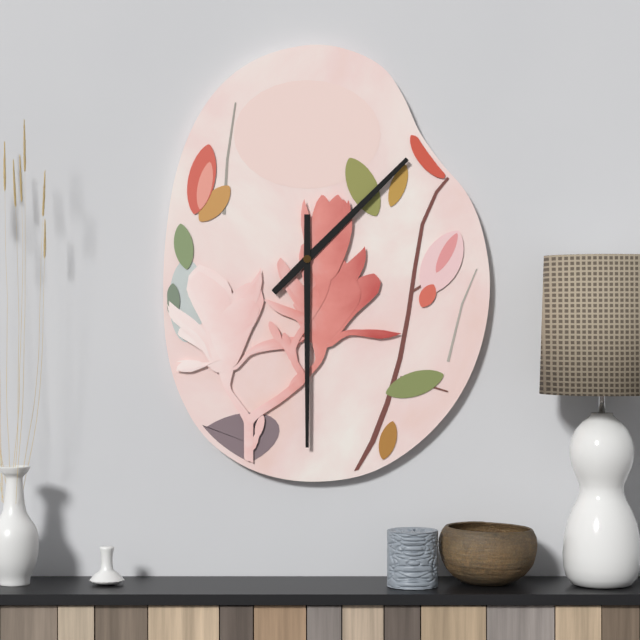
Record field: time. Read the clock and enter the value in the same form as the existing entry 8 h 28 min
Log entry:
1 h 30 min
